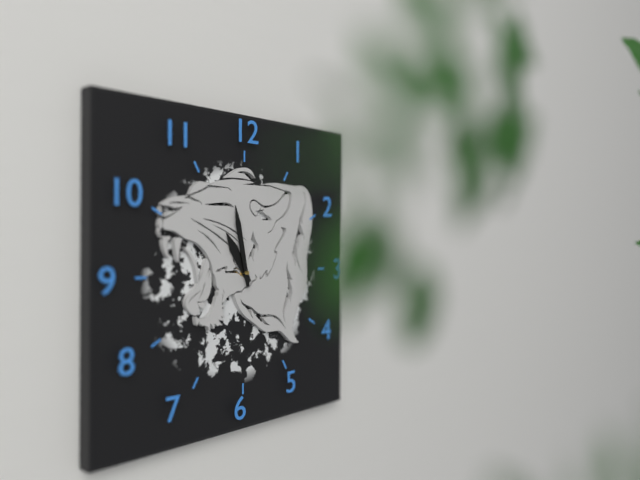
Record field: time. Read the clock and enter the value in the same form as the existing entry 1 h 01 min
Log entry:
10 h 58 min
